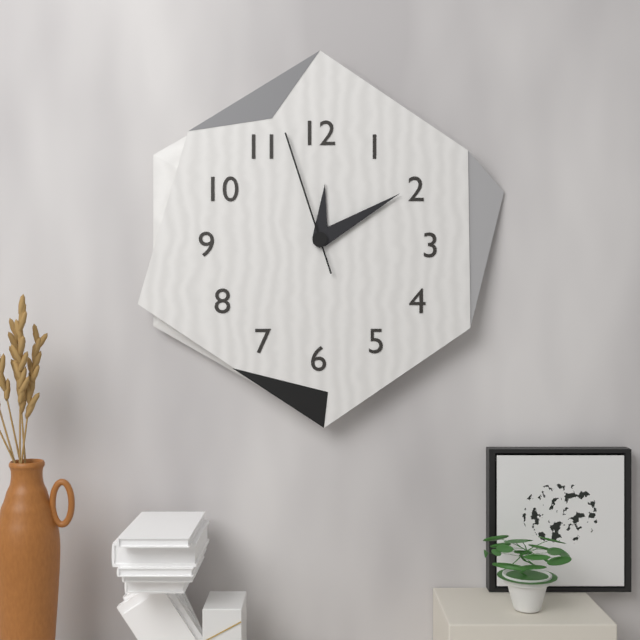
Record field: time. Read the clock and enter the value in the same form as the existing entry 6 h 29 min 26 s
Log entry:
12 h 10 min 57 s
